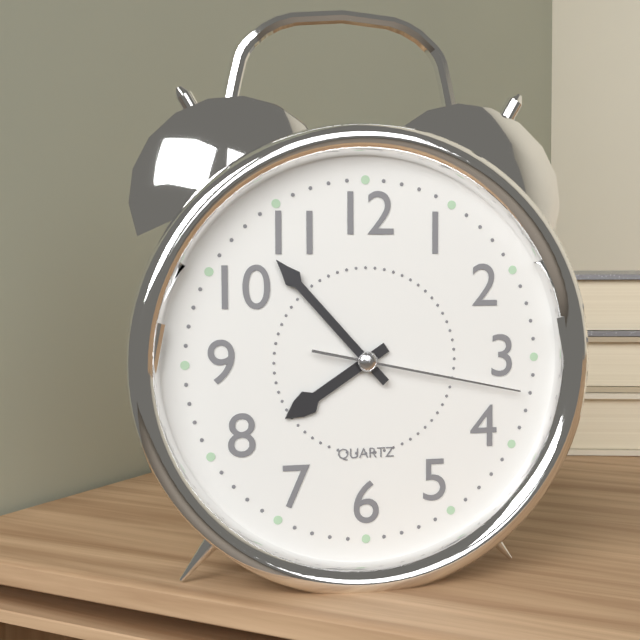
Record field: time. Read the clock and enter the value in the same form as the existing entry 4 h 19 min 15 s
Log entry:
7 h 53 min 17 s
